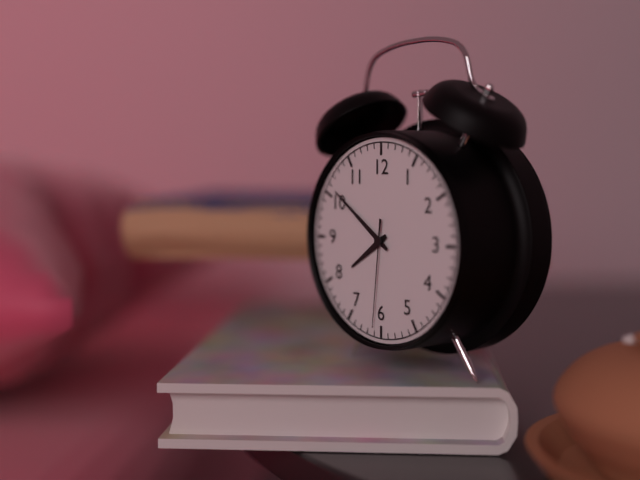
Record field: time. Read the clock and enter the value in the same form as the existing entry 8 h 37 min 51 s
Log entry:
7 h 51 min 31 s
